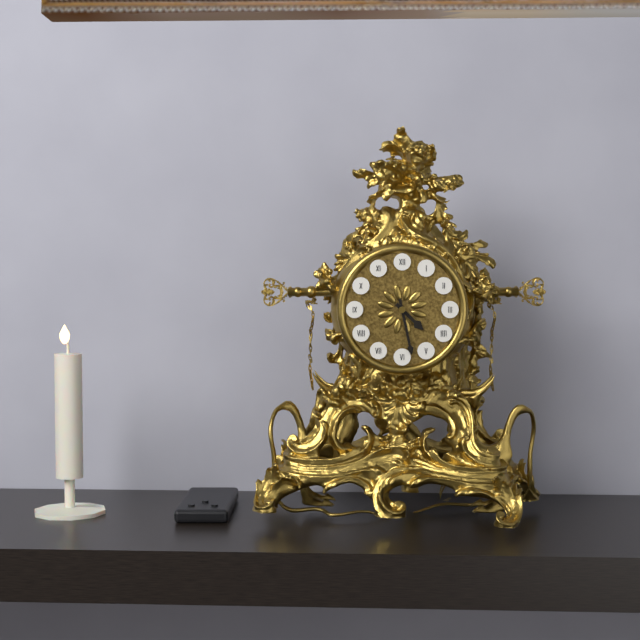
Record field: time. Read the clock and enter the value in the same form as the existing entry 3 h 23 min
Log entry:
4 h 28 min
